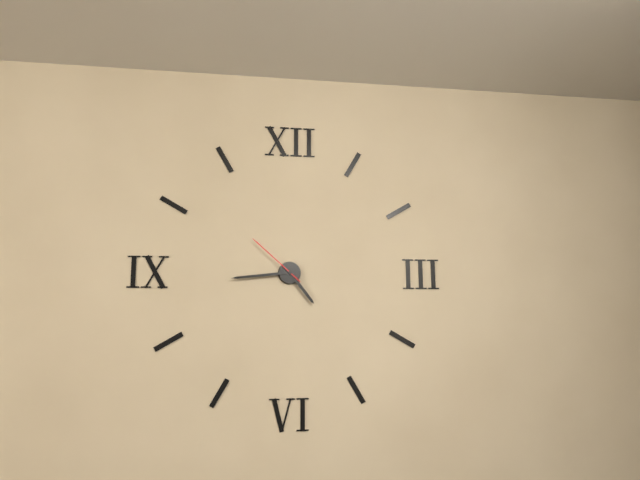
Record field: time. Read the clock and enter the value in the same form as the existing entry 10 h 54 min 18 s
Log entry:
4 h 44 min 52 s
